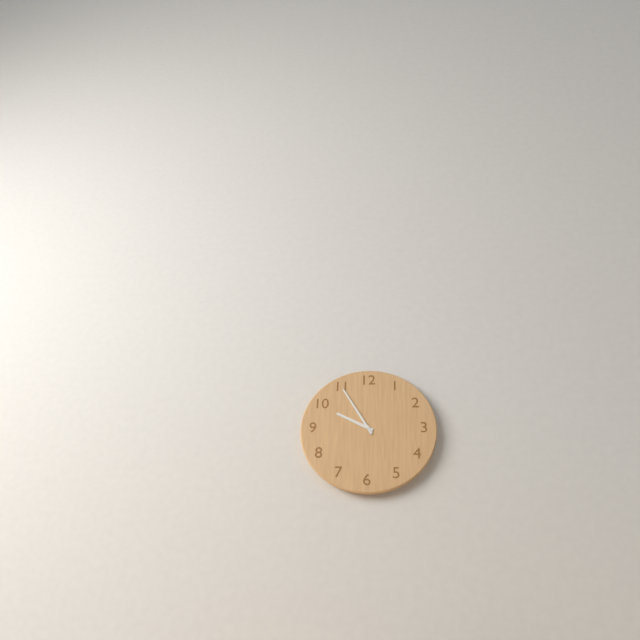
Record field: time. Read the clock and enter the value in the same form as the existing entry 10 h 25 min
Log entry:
9 h 55 min
